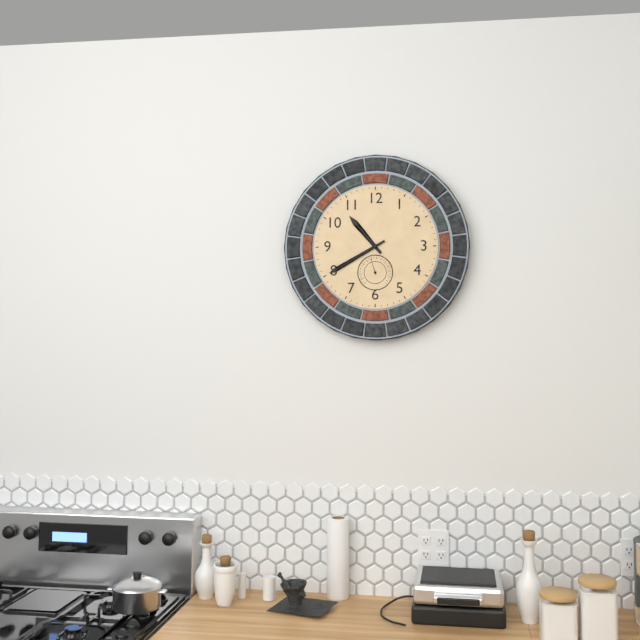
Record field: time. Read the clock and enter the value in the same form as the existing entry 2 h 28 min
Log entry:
10 h 40 min
